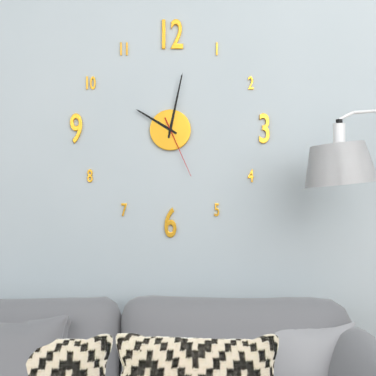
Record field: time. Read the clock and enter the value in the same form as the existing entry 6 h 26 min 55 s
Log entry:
10 h 02 min 26 s
